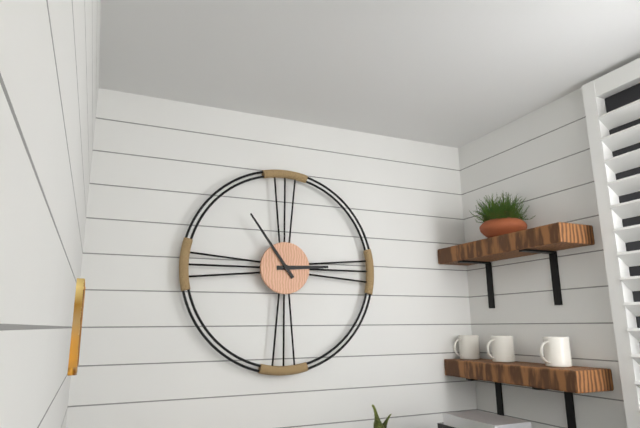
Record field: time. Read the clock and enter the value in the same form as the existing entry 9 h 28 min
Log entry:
2 h 54 min
